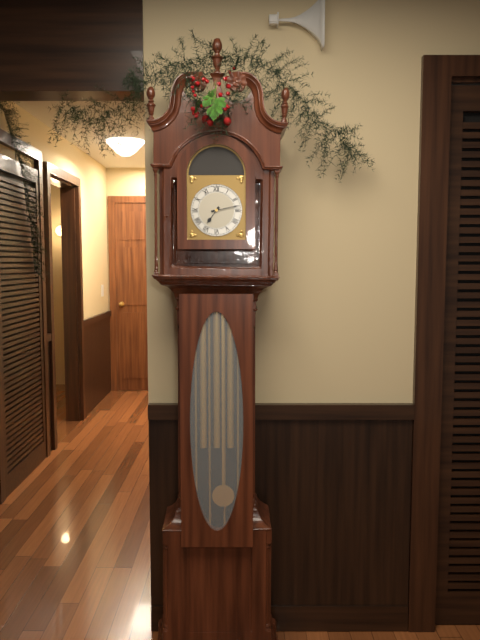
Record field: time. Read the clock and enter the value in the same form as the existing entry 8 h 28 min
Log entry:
7 h 13 min
